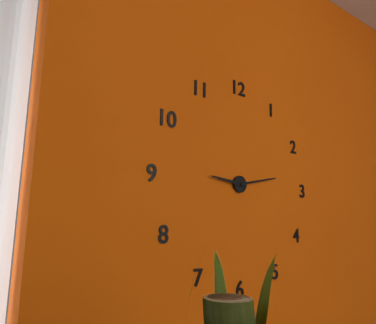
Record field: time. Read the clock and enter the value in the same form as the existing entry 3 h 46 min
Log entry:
9 h 13 min
